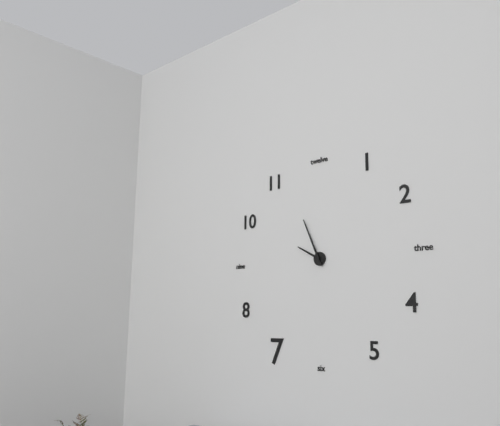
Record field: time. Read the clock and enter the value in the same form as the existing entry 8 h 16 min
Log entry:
9 h 56 min
